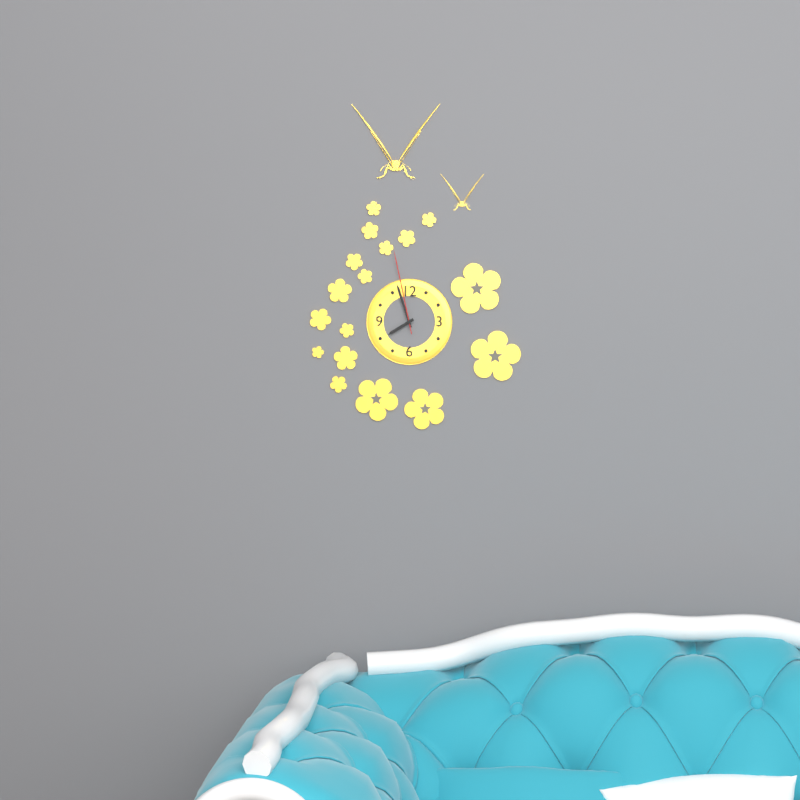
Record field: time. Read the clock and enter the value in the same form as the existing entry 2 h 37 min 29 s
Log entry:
7 h 57 min 58 s
